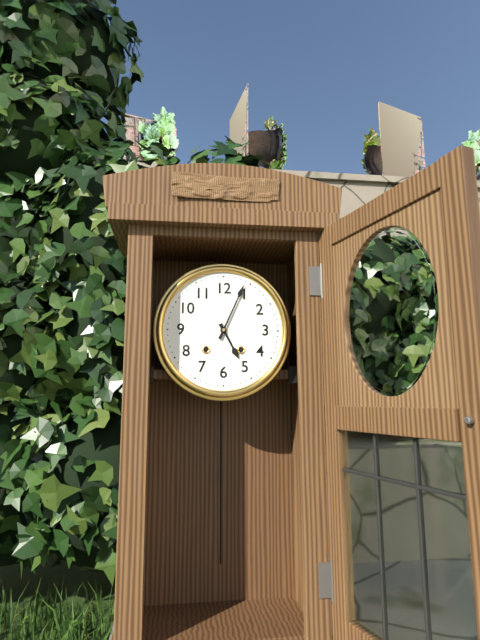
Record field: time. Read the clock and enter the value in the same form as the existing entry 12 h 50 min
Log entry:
5 h 04 min
